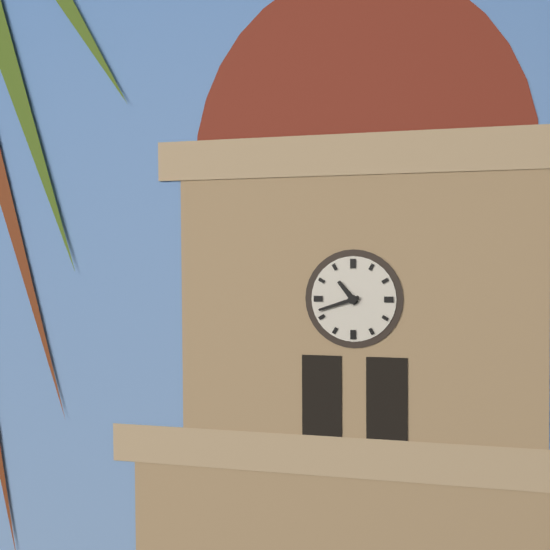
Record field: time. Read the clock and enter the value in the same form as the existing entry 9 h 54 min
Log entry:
10 h 42 min
